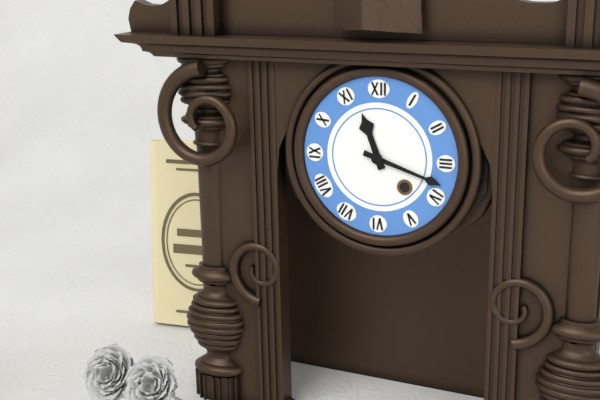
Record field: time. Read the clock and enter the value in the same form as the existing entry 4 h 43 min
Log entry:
11 h 18 min
